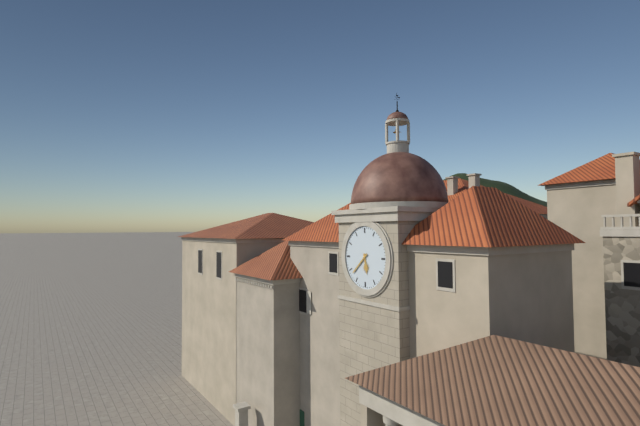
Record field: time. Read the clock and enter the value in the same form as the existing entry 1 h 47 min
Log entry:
5 h 38 min
